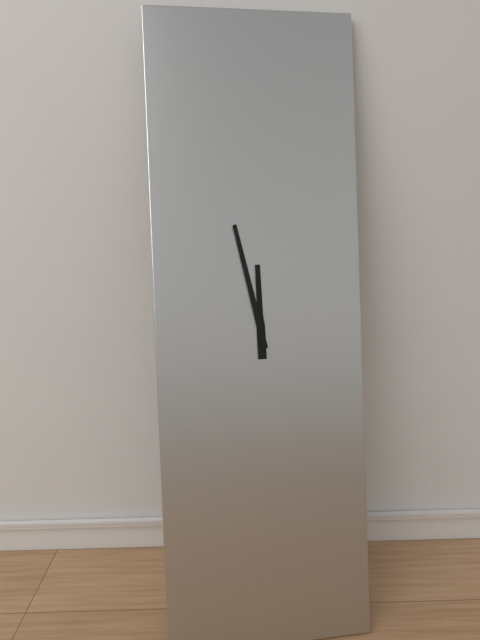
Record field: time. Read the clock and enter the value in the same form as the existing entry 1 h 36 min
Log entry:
11 h 58 min
